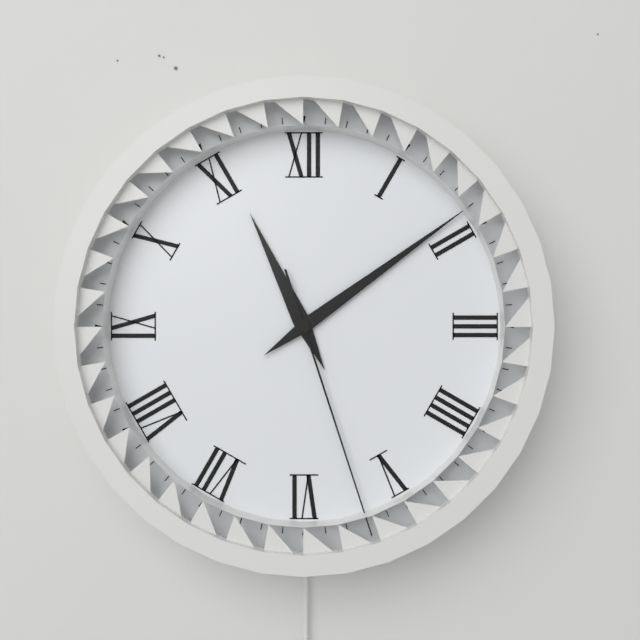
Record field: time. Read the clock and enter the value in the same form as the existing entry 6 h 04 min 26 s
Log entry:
11 h 09 min 27 s
